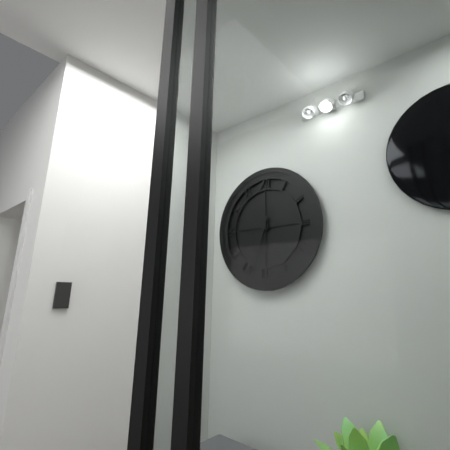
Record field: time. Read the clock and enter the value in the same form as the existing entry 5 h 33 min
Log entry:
6 h 33 min
